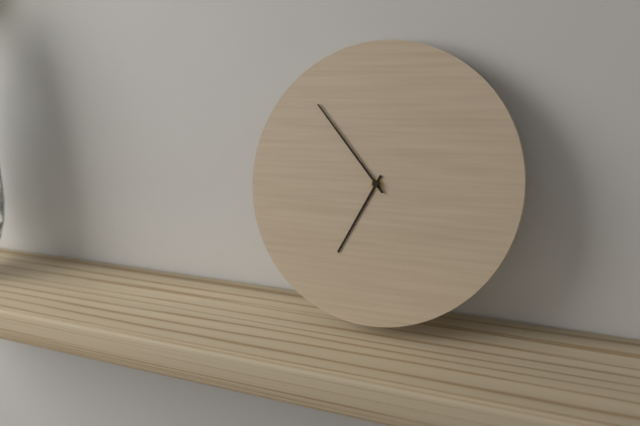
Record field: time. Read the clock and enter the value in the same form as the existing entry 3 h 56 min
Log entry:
6 h 53 min
